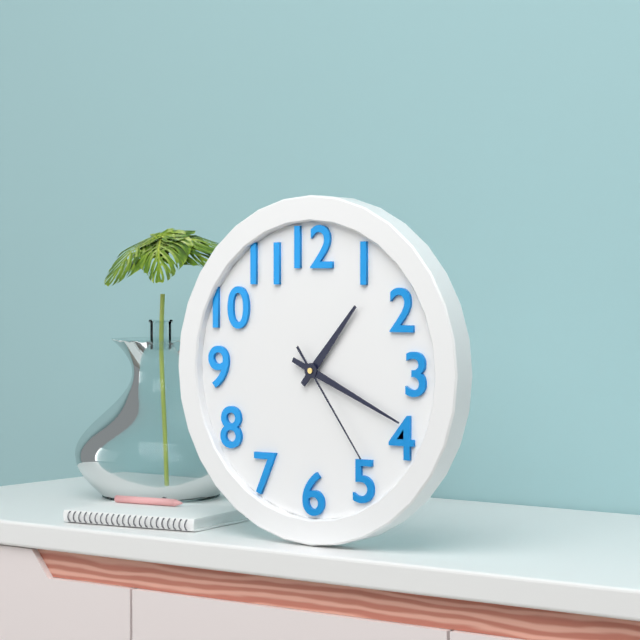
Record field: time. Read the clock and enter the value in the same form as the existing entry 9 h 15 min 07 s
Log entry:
1 h 19 min 24 s
